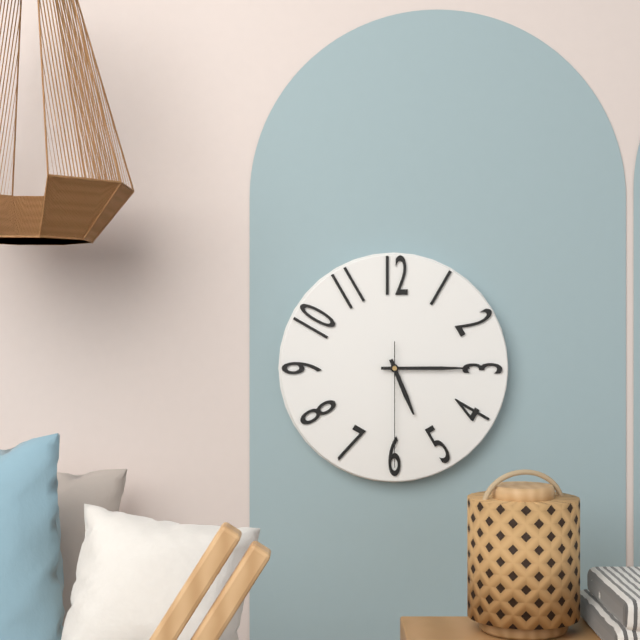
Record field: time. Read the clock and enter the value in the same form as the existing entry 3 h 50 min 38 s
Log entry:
5 h 15 min 30 s
